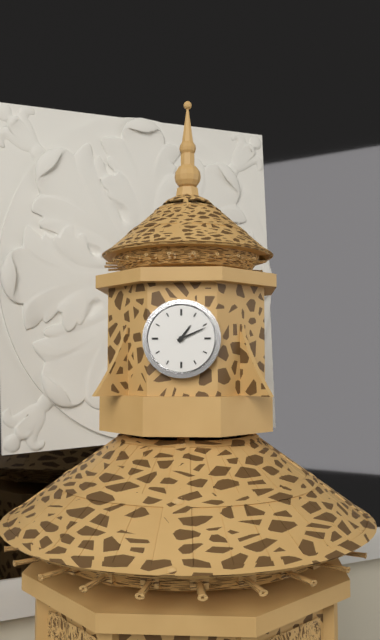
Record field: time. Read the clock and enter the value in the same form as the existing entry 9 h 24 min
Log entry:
1 h 11 min
